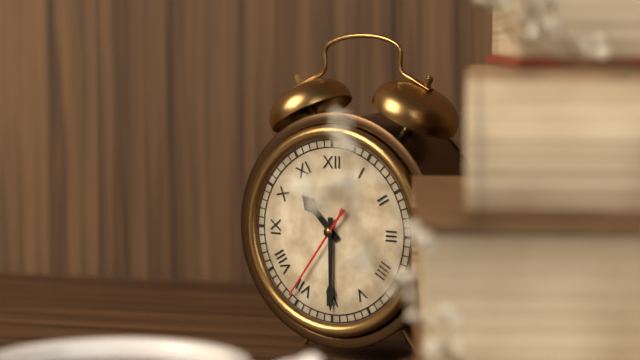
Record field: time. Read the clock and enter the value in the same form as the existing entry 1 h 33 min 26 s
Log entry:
10 h 30 min 36 s
